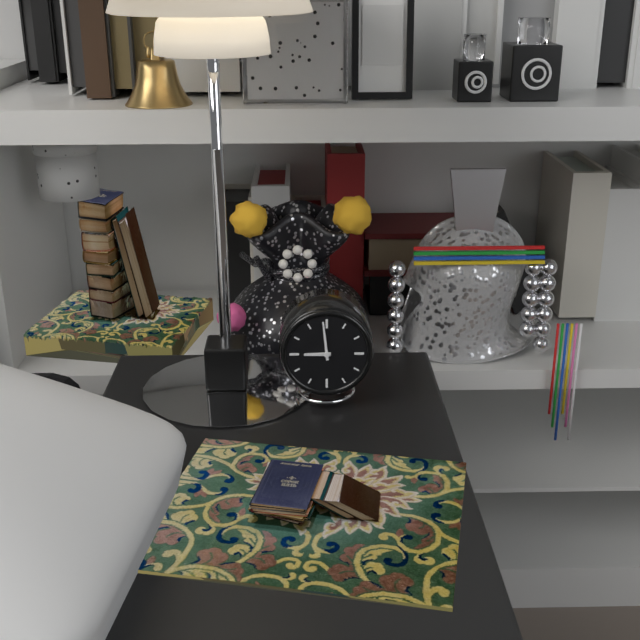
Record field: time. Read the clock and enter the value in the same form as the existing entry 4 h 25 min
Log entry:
8 h 59 min
